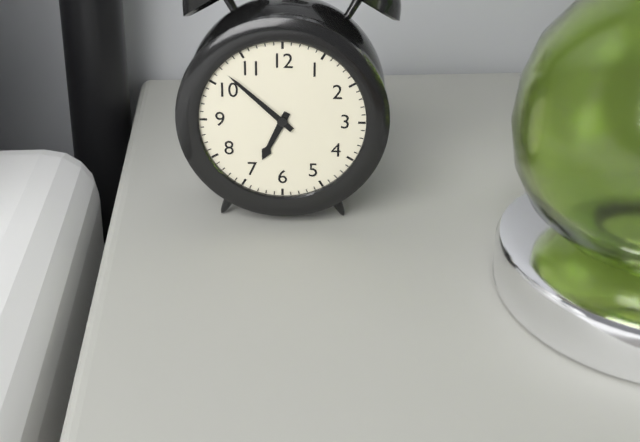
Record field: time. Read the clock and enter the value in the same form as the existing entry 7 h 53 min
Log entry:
6 h 52 min
